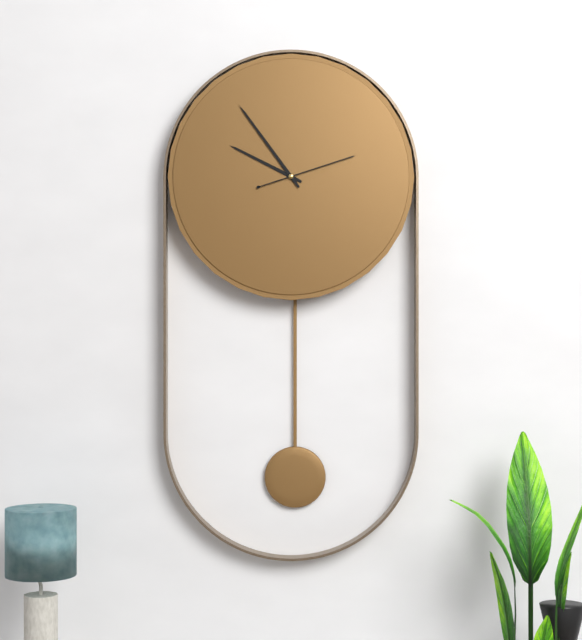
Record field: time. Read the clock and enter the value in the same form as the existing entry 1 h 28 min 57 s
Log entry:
9 h 54 min 12 s
